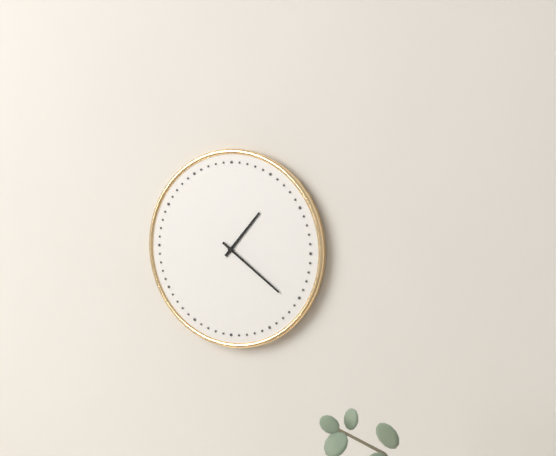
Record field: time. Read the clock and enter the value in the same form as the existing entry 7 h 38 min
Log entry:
1 h 21 min
